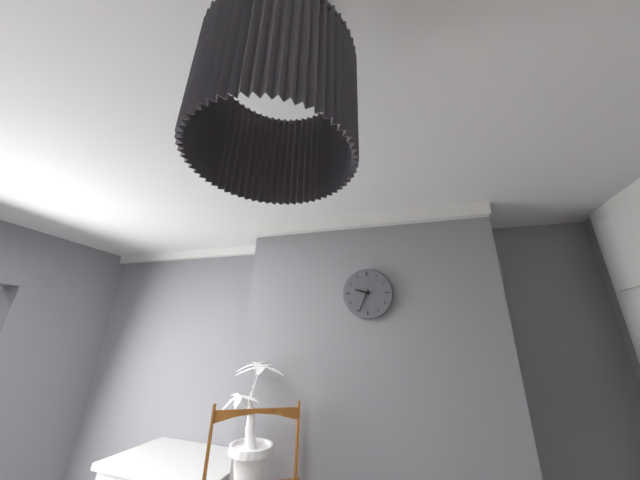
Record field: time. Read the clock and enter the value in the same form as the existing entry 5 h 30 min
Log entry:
9 h 34 min
